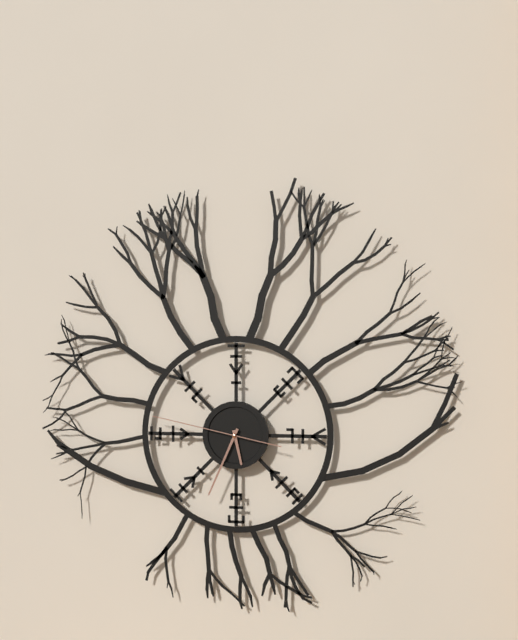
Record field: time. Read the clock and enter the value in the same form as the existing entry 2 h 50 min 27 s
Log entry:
5 h 34 min 47 s
